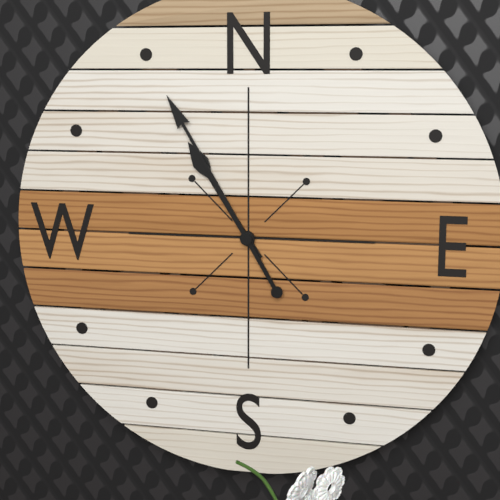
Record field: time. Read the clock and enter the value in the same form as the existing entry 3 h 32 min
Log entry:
10 h 55 min
